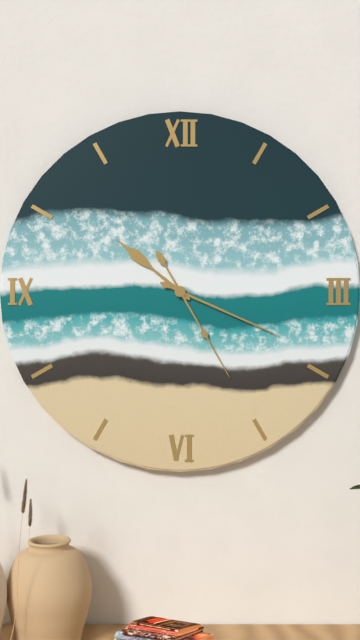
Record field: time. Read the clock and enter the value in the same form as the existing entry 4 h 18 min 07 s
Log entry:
10 h 19 min 25 s
